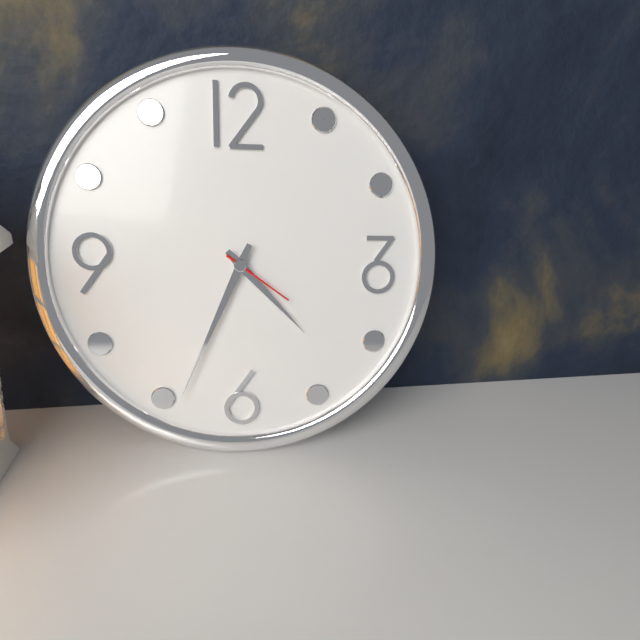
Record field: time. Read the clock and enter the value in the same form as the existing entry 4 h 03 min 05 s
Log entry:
4 h 34 min 21 s
